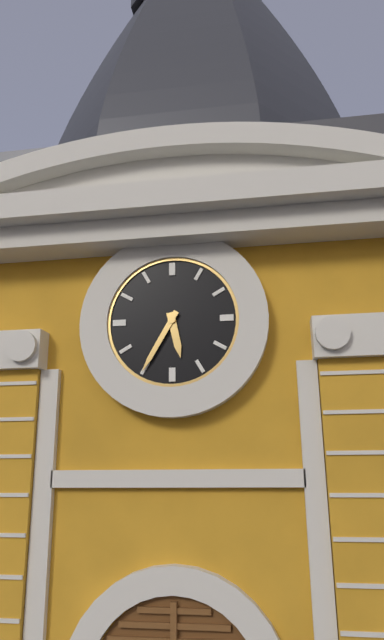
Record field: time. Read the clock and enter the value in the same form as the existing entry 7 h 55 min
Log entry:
5 h 35 min
